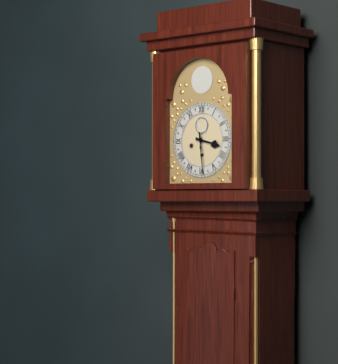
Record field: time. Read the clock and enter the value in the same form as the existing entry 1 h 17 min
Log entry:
3 h 29 min
